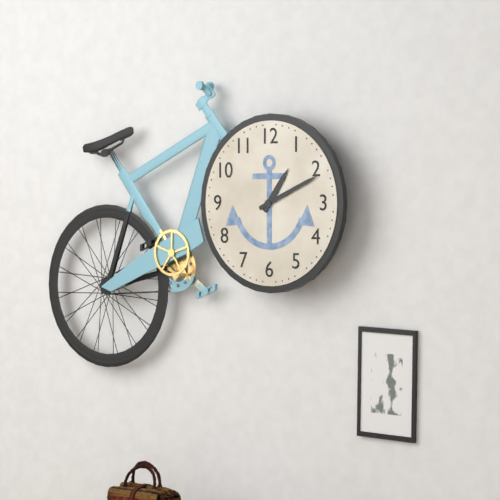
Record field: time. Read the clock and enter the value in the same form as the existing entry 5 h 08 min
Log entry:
1 h 11 min
